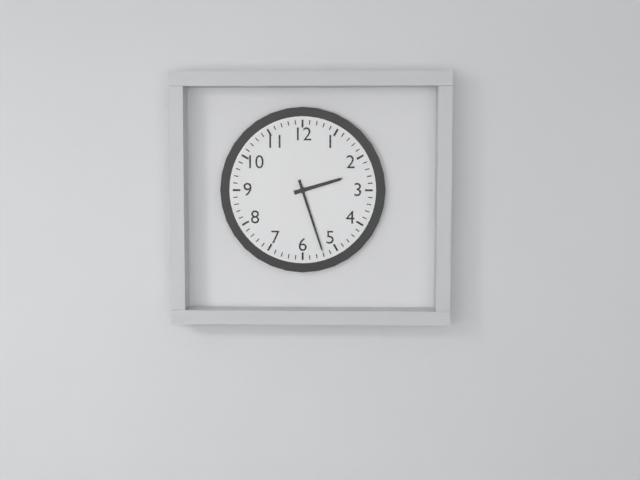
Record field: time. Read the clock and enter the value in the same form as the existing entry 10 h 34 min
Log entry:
2 h 27 min
